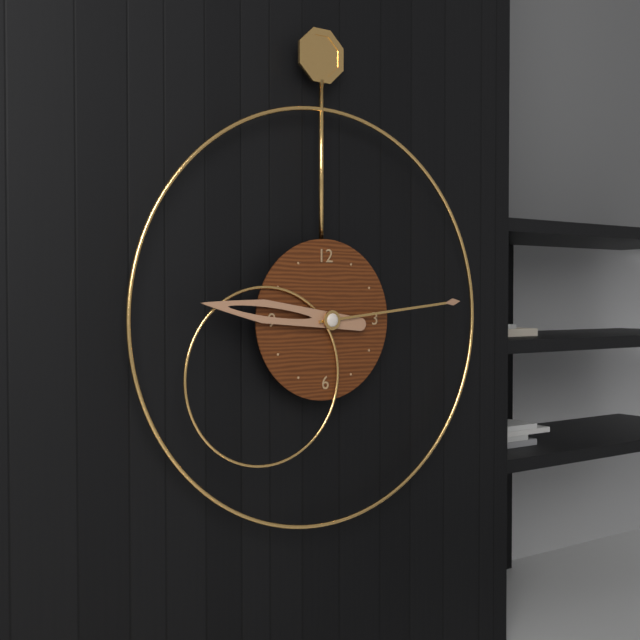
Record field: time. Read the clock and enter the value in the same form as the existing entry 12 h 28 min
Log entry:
9 h 14 min
